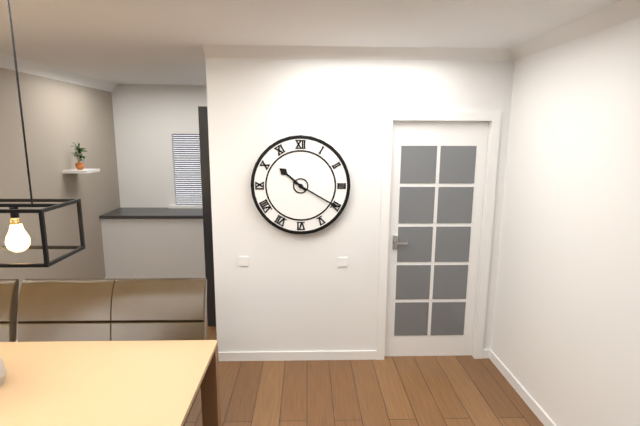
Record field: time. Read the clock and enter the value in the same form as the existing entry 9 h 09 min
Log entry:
10 h 20 min
